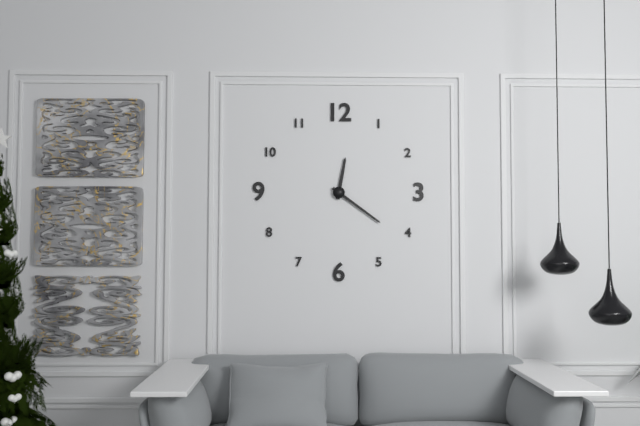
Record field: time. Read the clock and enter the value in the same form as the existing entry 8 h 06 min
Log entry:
12 h 21 min
